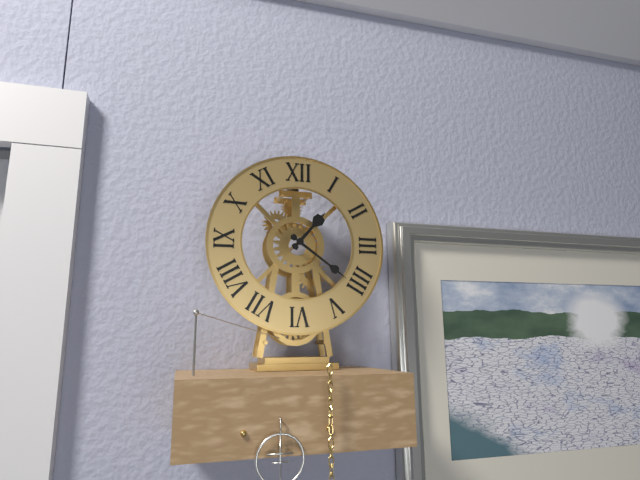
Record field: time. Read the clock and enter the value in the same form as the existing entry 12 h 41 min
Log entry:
1 h 21 min
